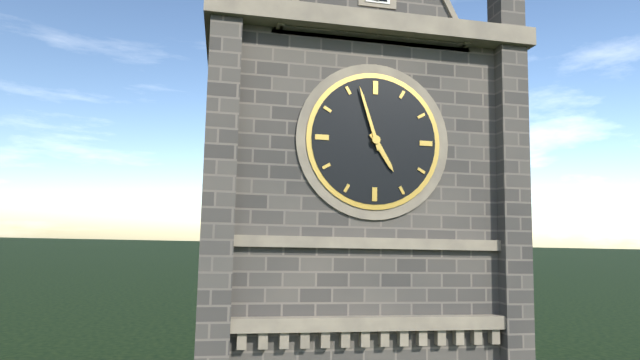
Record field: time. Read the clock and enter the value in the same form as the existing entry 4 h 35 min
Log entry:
4 h 57 min
